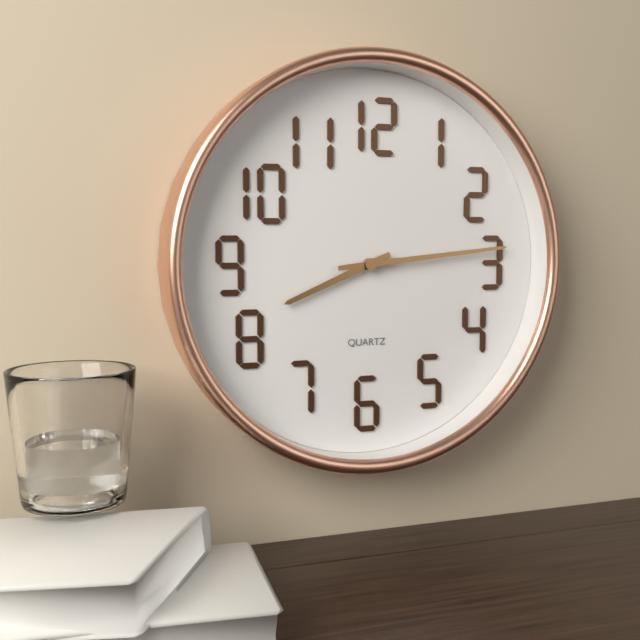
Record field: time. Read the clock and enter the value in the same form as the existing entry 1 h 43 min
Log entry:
8 h 14 min
